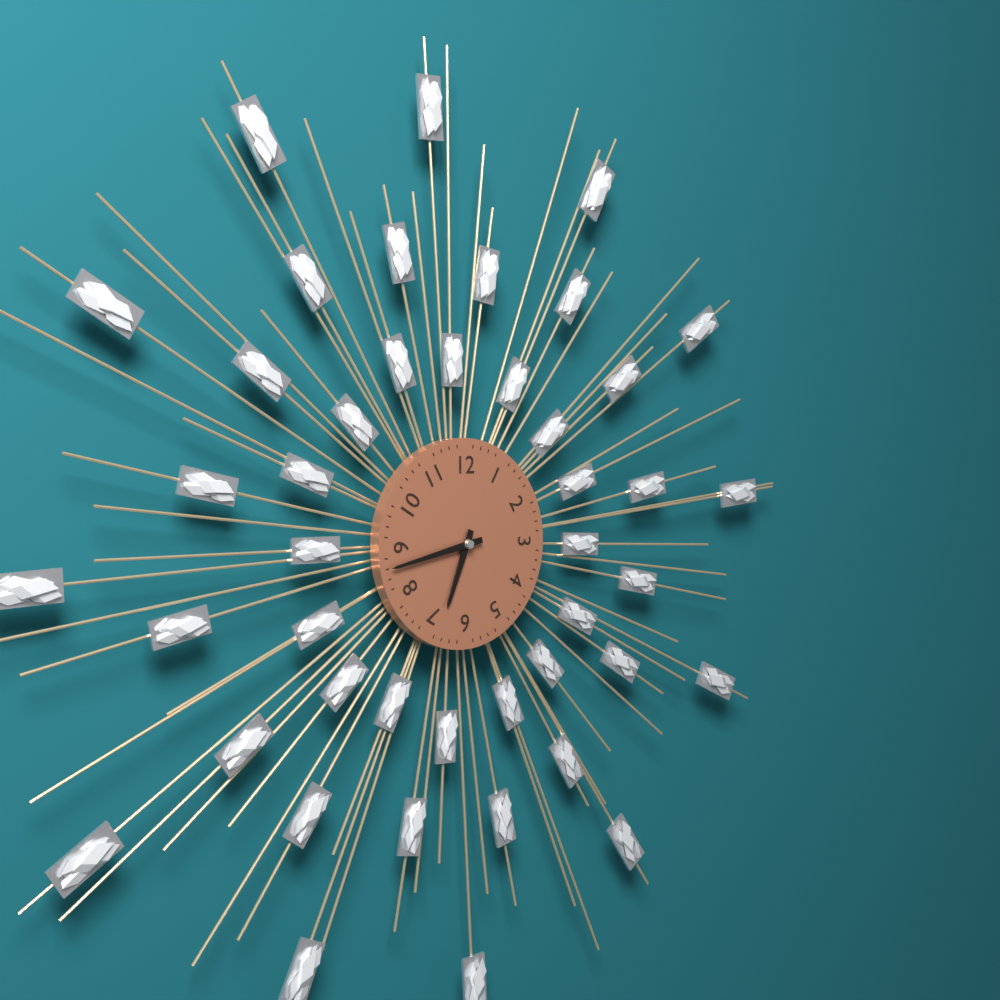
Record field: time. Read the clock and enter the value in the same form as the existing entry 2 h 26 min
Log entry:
6 h 43 min
